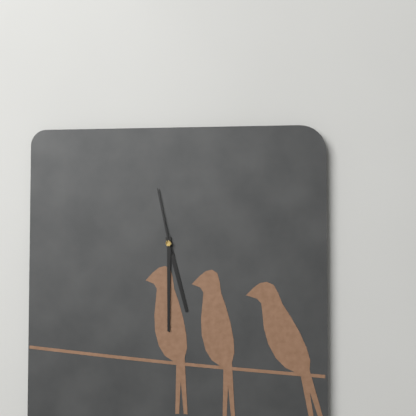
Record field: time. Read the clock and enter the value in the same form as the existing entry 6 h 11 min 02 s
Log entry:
5 h 30 min 58 s
